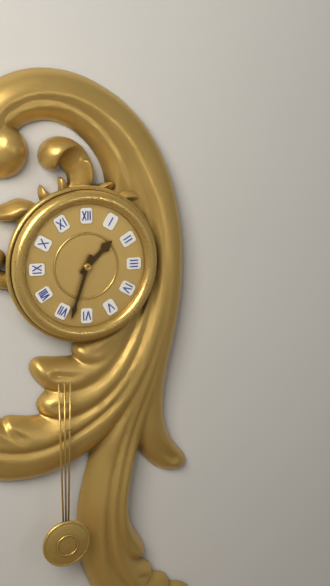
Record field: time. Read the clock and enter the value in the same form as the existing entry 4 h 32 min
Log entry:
1 h 33 min
